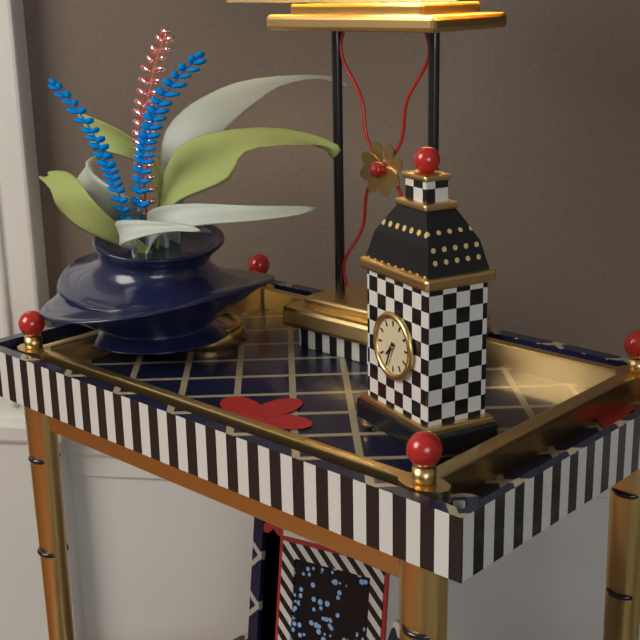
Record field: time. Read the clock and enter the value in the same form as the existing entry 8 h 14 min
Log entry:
7 h 34 min
